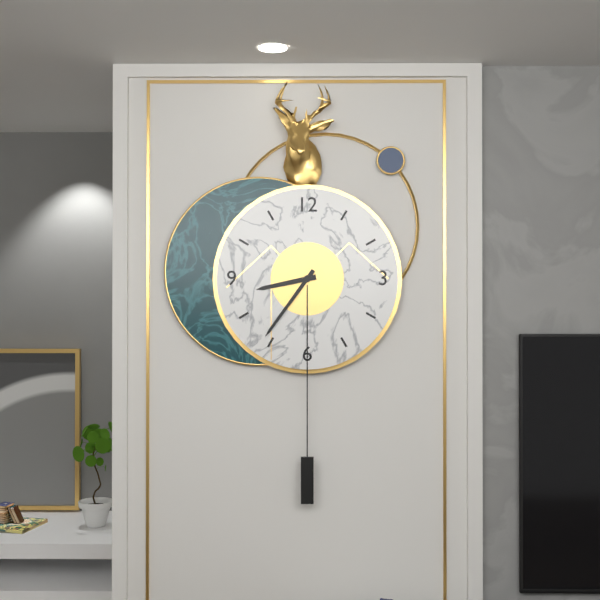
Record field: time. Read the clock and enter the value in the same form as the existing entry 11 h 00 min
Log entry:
8 h 36 min
